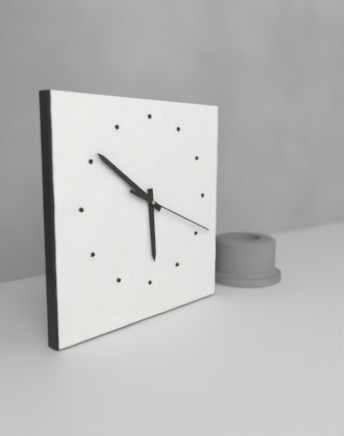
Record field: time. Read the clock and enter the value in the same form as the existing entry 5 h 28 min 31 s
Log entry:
5 h 51 min 19 s
